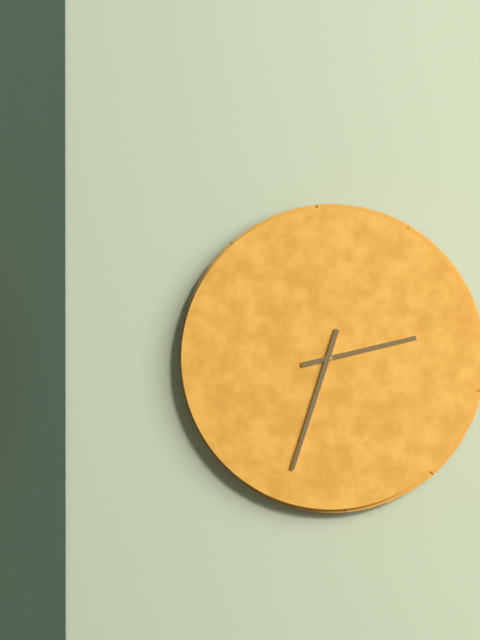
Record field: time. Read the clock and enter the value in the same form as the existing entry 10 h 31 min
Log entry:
2 h 33 min
